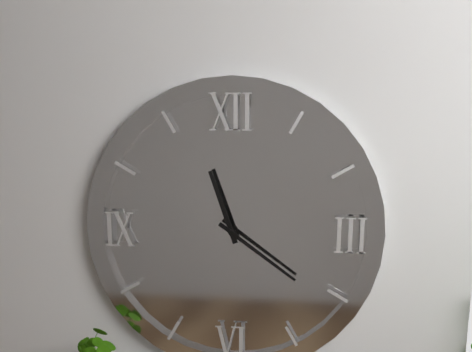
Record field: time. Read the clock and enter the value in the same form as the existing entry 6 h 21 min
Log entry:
11 h 21 min
